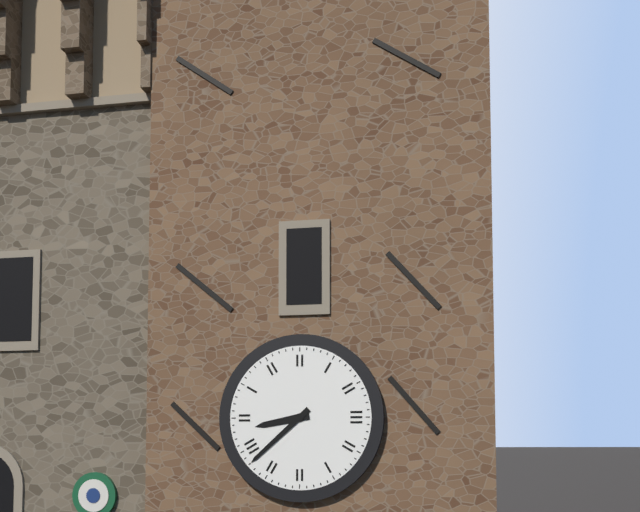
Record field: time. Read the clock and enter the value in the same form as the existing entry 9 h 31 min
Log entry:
8 h 38 min
